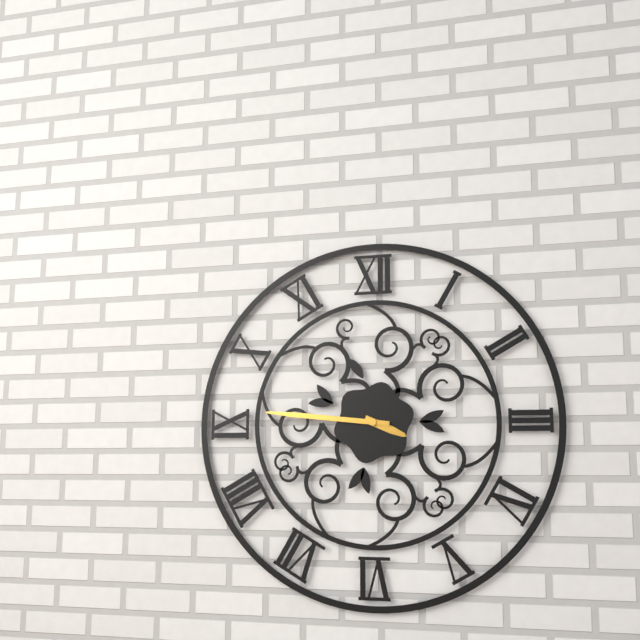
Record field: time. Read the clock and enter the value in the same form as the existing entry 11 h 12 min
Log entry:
3 h 46 min
